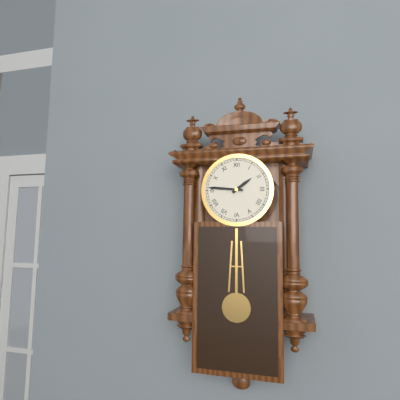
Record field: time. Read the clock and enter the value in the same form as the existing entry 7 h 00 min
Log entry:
1 h 46 min
